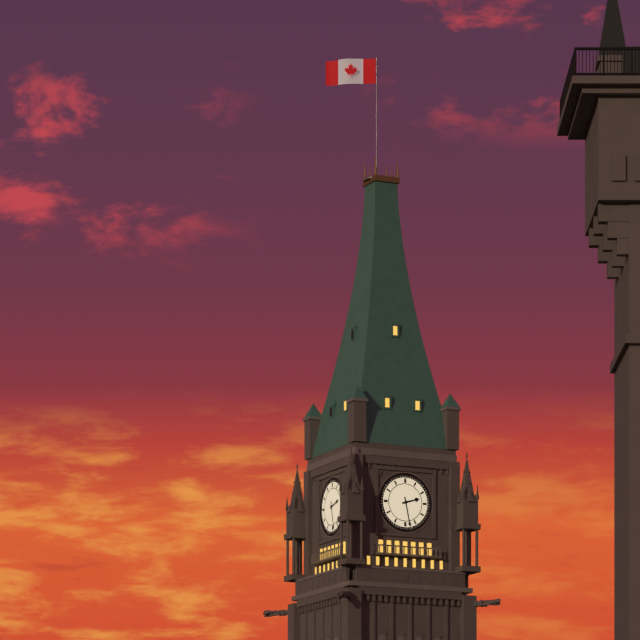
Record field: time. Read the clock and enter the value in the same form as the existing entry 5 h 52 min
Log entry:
2 h 28 min
